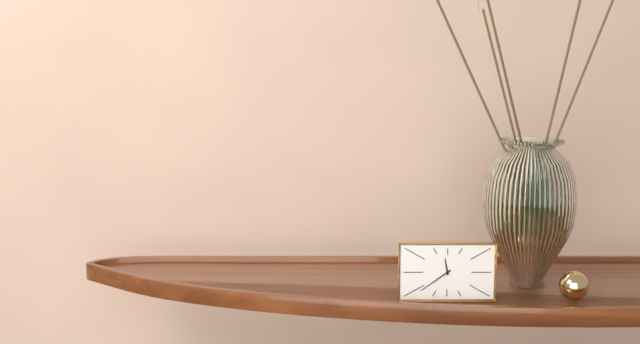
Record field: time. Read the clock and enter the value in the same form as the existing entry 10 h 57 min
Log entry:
11 h 39 min
